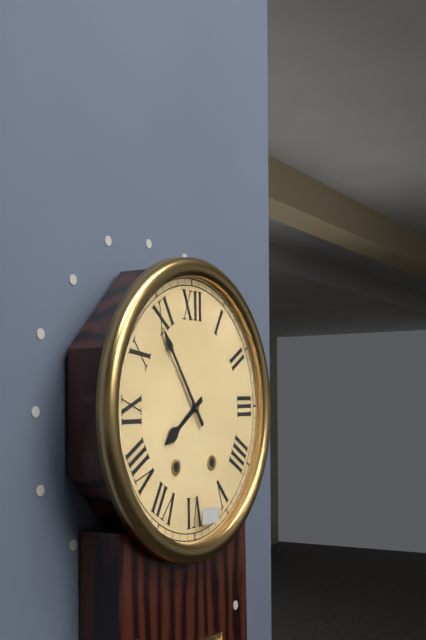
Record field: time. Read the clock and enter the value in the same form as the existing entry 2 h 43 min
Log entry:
7 h 54 min
